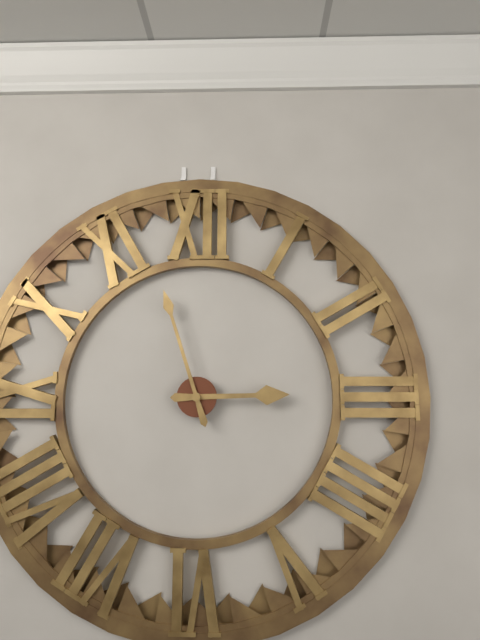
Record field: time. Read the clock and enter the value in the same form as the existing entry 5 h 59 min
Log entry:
2 h 57 min
